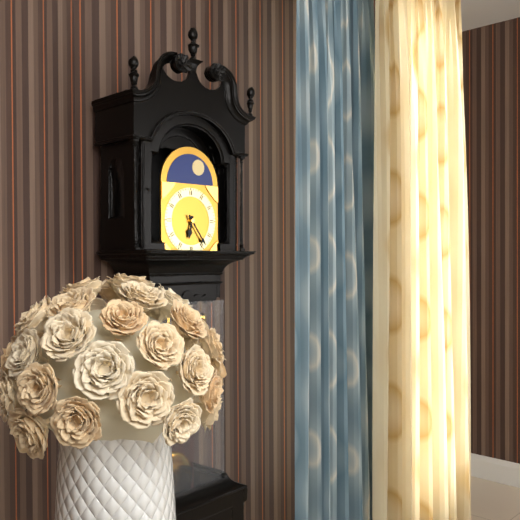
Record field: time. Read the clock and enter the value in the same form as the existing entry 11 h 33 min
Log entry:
6 h 24 min
